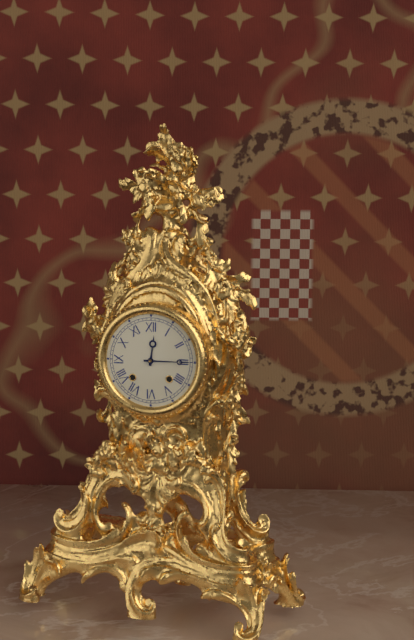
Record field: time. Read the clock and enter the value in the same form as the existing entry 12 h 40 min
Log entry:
12 h 15 min
